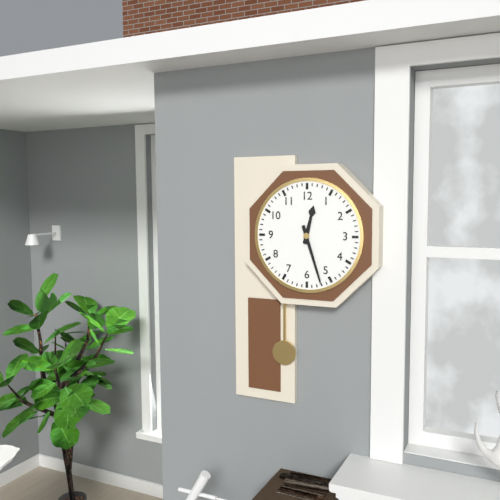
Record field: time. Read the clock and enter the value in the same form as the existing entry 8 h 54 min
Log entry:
12 h 27 min
